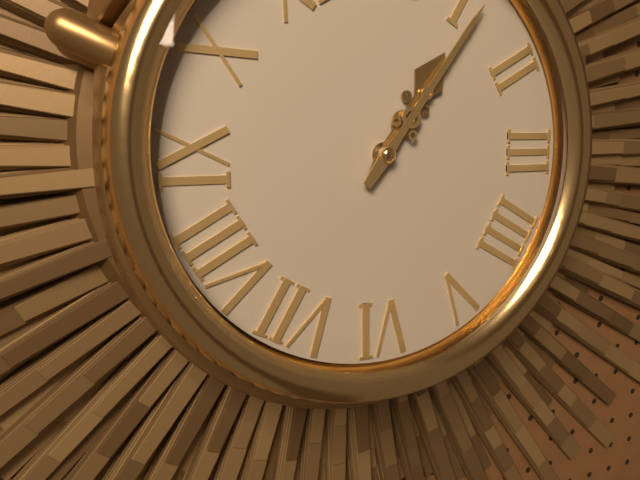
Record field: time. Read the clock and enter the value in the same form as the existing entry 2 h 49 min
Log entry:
1 h 06 min
